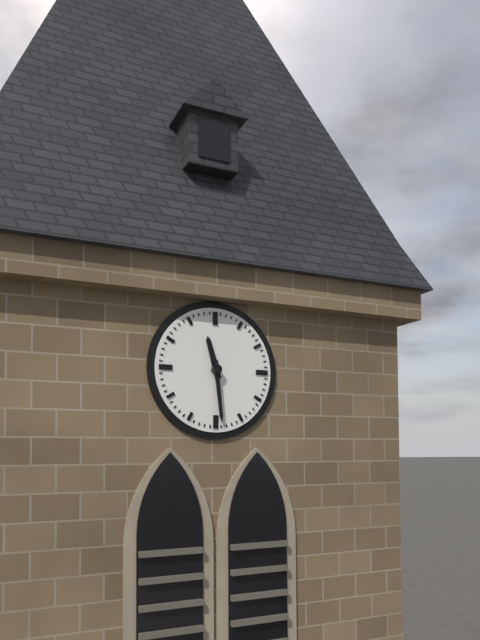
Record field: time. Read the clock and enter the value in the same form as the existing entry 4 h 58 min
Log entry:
11 h 29 min
